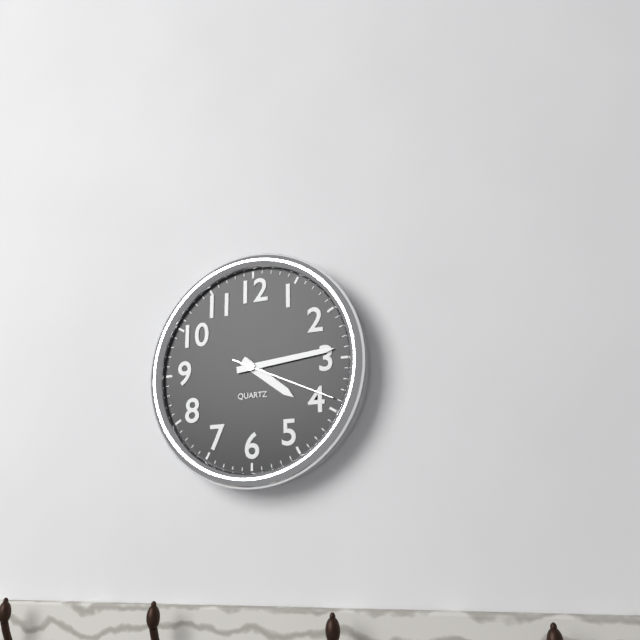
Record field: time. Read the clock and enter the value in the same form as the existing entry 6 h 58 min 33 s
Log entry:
4 h 14 min 19 s
